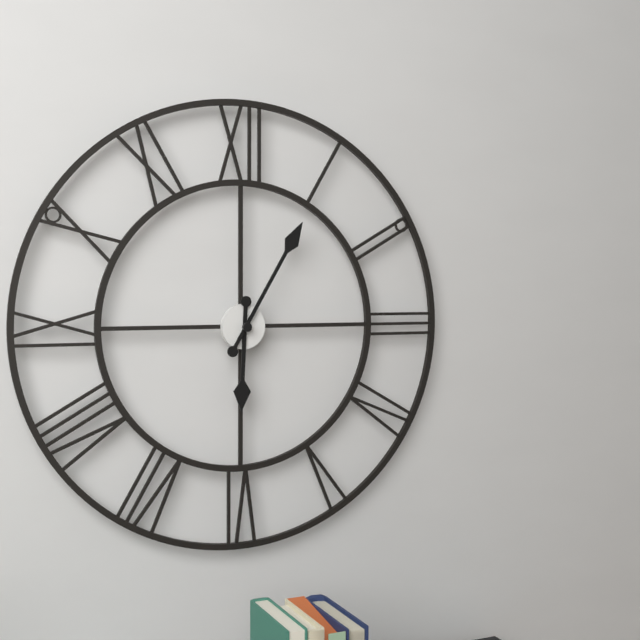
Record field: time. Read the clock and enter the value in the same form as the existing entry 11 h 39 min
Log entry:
6 h 05 min
